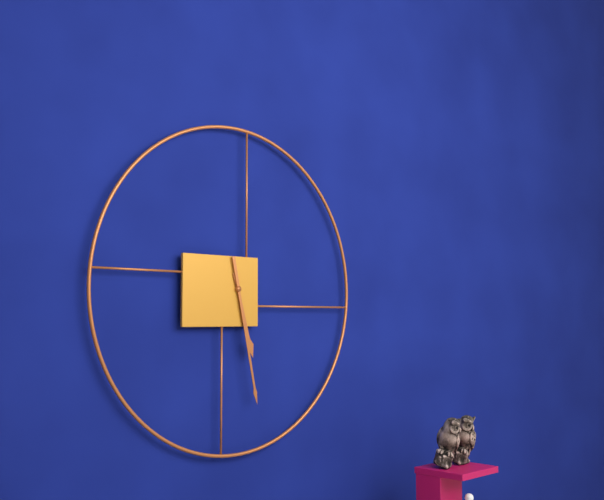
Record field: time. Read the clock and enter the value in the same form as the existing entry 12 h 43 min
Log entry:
5 h 28 min
